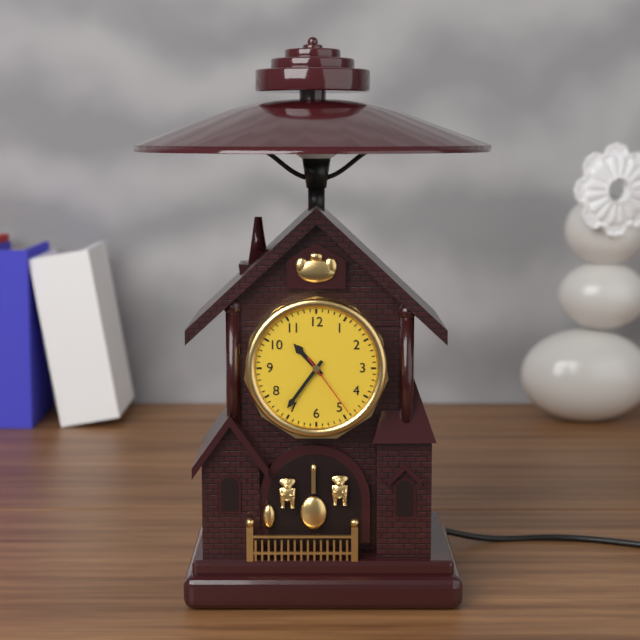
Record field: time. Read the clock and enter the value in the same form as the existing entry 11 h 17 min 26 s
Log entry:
10 h 36 min 24 s
